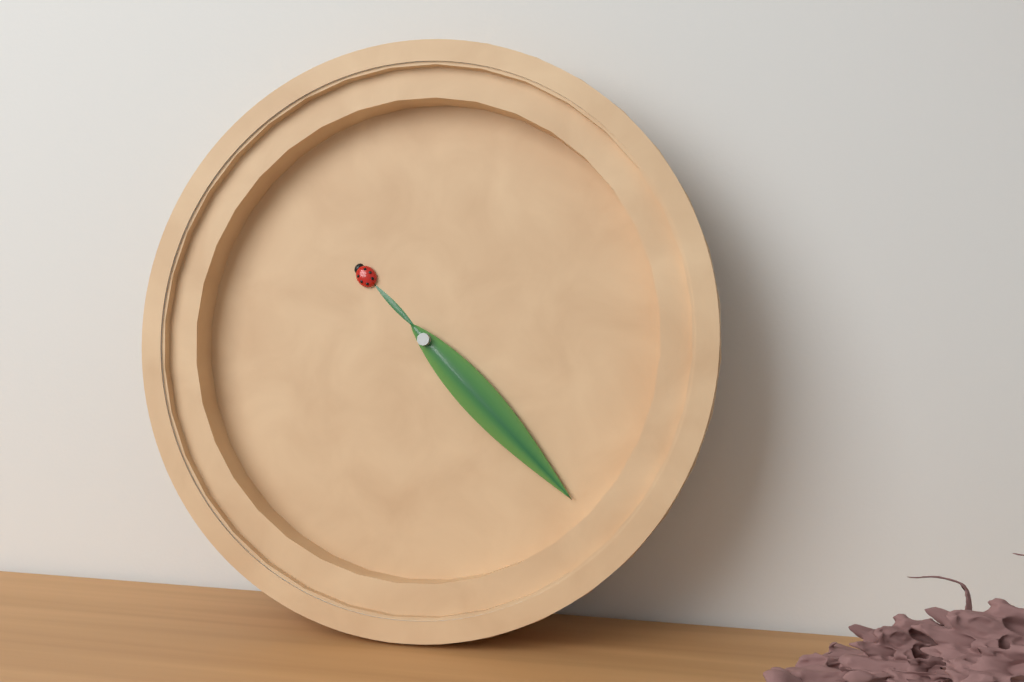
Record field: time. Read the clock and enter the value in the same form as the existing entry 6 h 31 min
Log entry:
10 h 22 min
